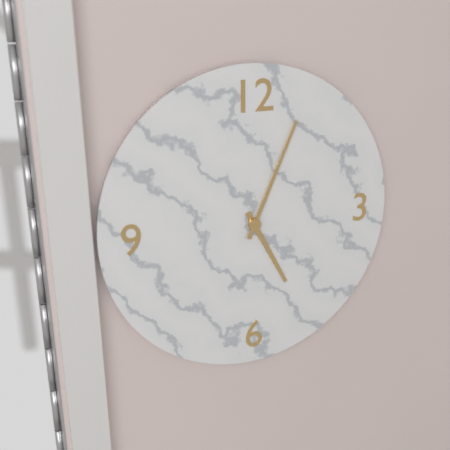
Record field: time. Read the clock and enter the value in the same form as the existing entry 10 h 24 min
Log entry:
5 h 04 min
